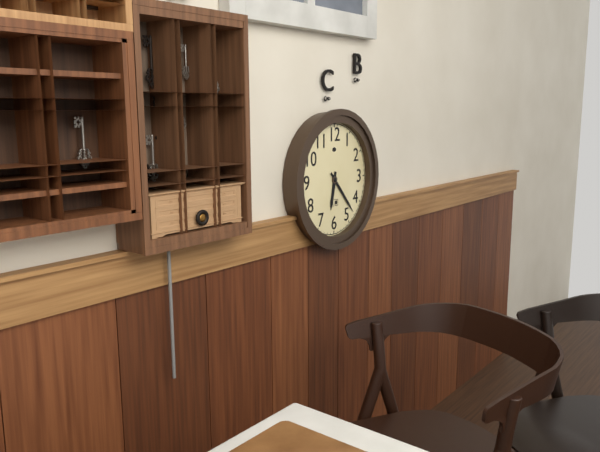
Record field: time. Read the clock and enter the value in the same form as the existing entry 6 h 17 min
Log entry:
6 h 23 min
